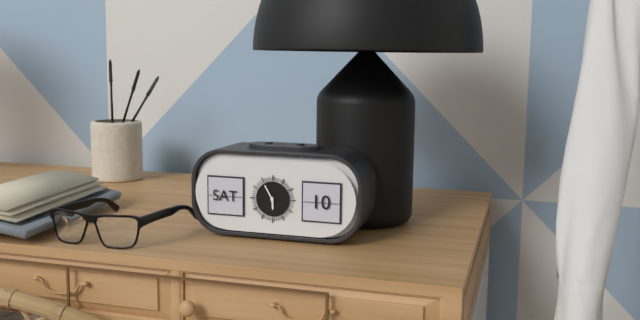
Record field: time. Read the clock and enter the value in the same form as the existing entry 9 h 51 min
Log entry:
5 h 55 min
